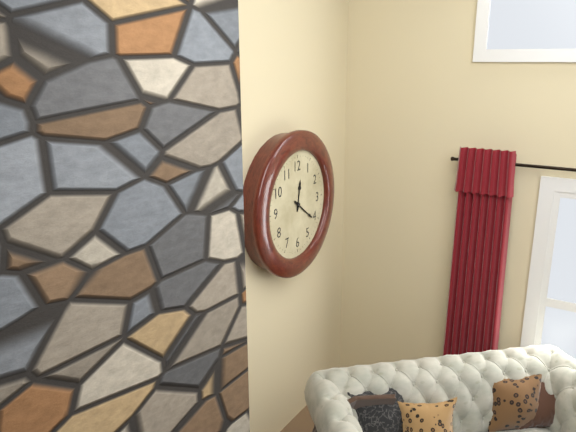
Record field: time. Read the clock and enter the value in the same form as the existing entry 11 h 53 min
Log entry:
12 h 21 min
